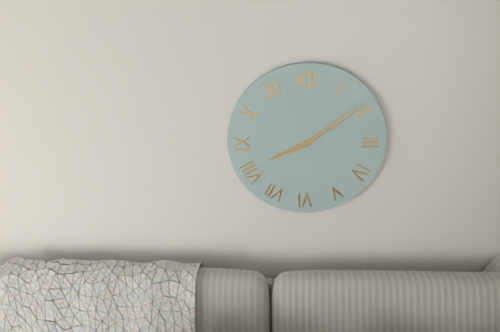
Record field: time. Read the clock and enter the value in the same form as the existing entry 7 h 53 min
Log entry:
8 h 09 min
